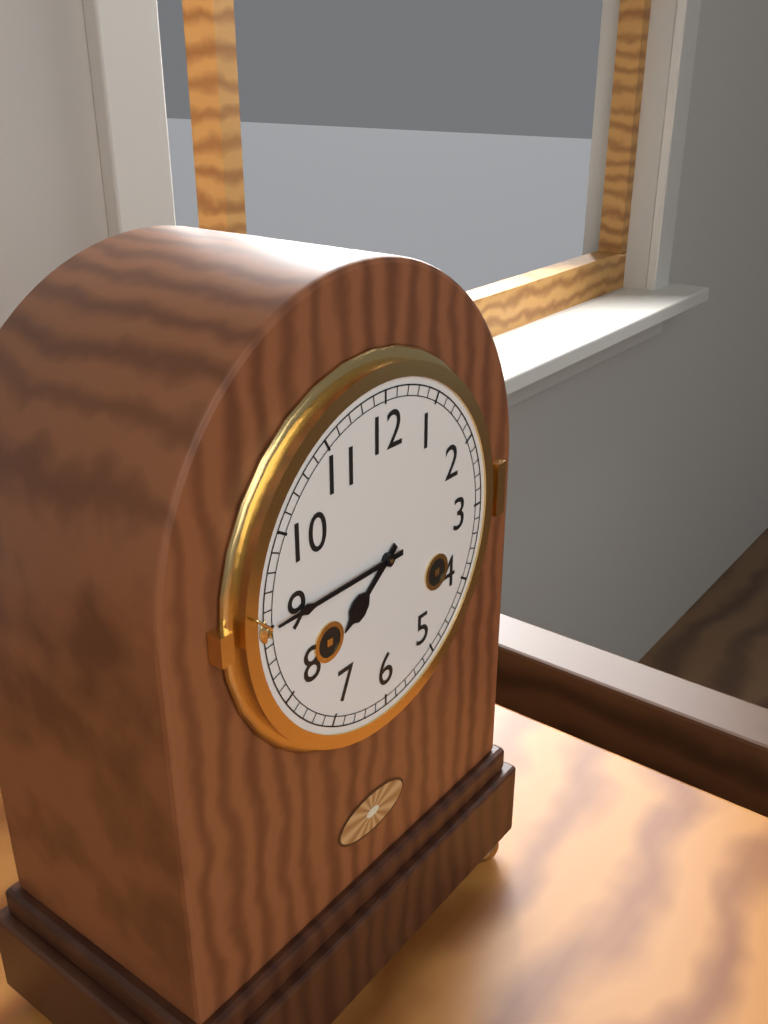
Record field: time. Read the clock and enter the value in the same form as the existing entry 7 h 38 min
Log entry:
7 h 45 min
